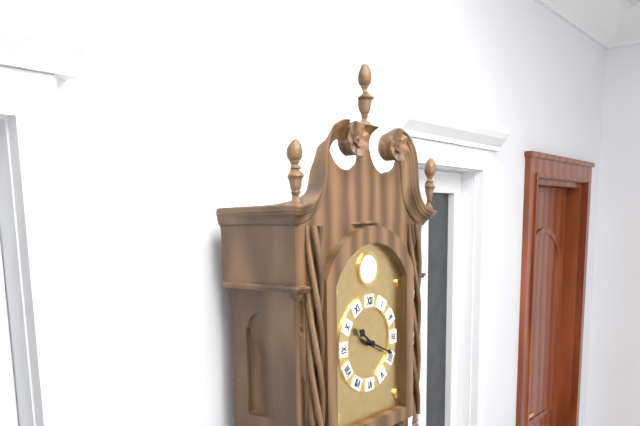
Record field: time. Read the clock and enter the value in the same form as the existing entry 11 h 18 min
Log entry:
10 h 19 min
